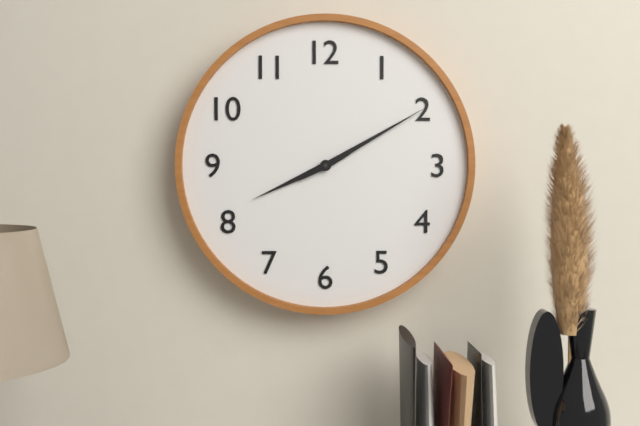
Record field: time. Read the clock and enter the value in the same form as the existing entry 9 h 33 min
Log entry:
8 h 10 min
